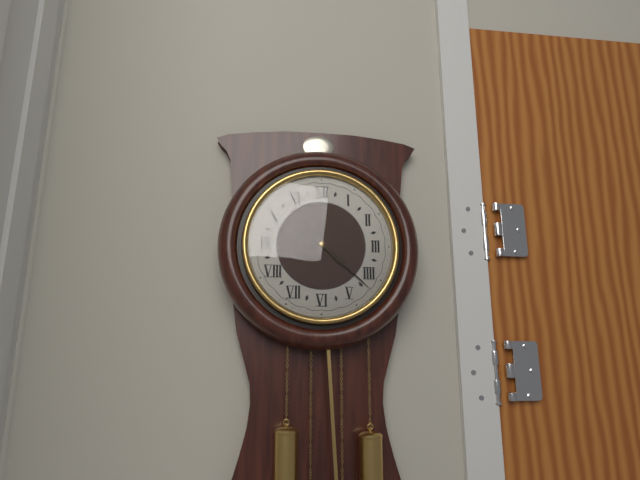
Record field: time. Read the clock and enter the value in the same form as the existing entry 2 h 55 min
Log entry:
4 h 22 min
